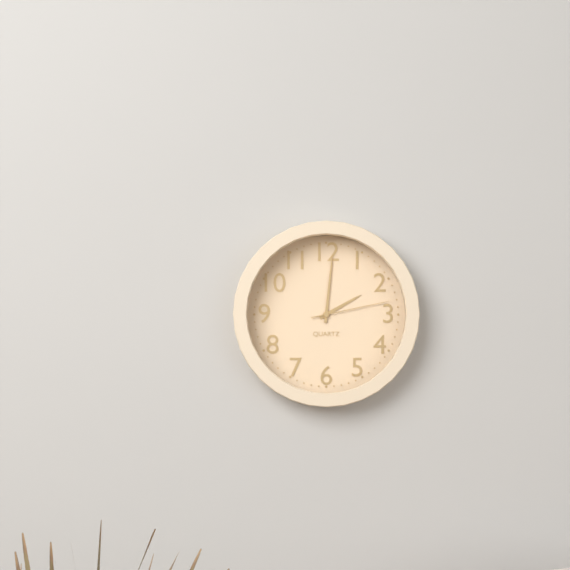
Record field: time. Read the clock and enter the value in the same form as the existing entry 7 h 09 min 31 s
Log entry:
2 h 01 min 13 s
